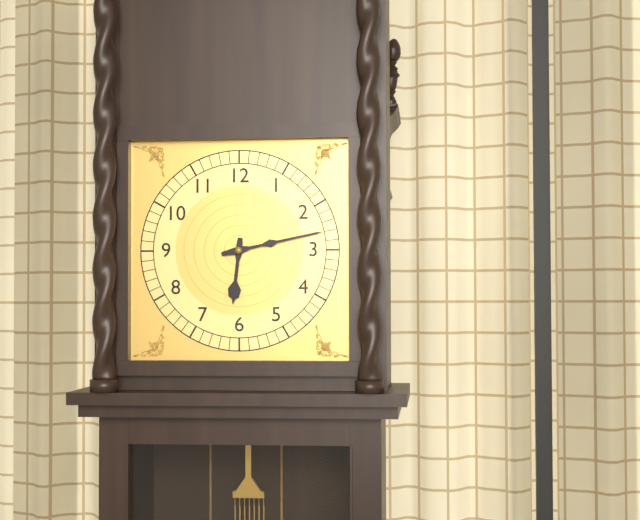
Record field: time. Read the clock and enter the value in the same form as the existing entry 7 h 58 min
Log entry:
6 h 13 min
